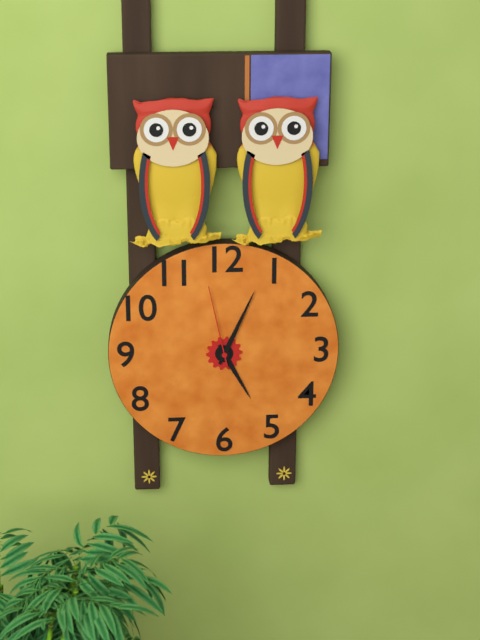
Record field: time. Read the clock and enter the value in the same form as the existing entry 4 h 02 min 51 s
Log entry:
5 h 04 min 58 s
